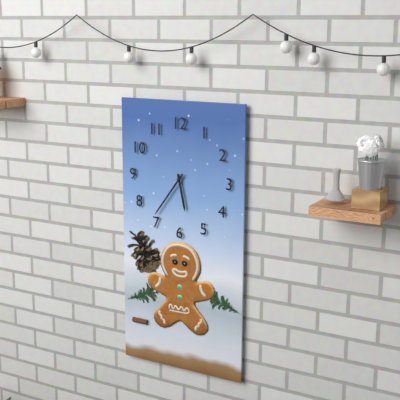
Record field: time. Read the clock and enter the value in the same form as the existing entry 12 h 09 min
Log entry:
5 h 36 min
